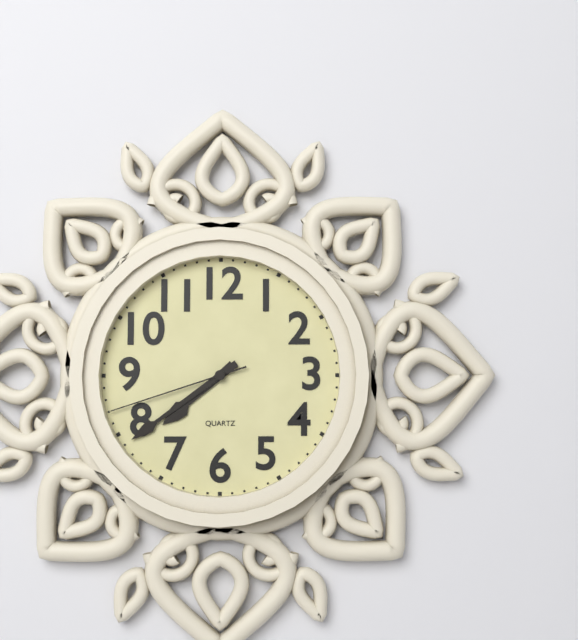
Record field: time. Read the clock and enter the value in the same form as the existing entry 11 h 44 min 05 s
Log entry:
7 h 39 min 42 s
